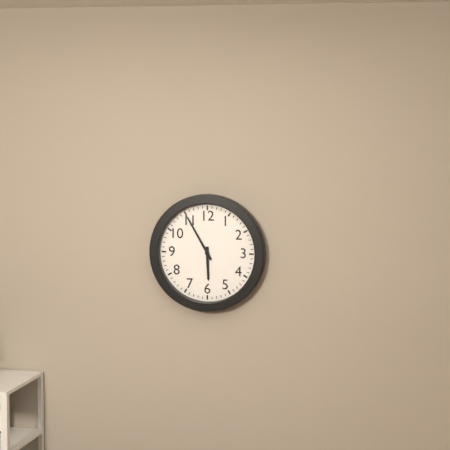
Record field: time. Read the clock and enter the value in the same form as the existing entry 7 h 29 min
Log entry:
5 h 55 min
